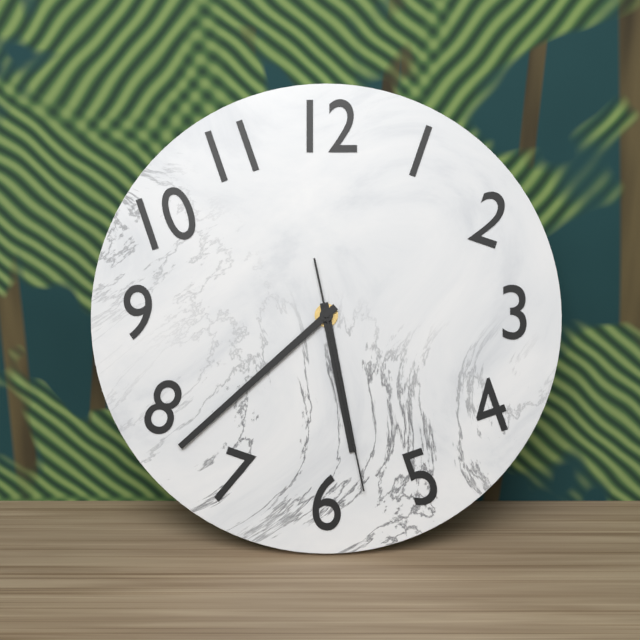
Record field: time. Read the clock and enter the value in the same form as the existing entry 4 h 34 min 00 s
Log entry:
5 h 38 min 28 s
